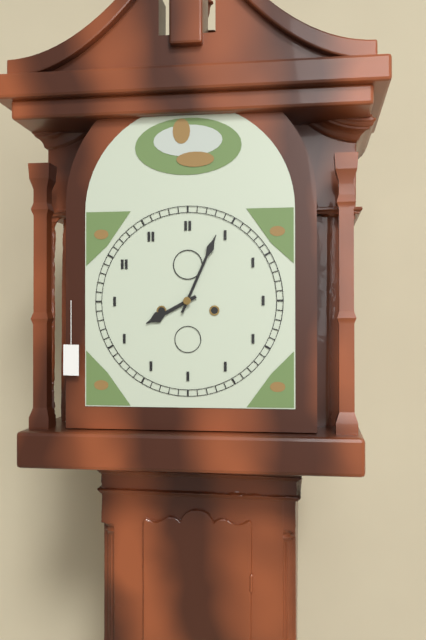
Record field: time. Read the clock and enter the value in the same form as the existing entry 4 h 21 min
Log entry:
8 h 04 min
